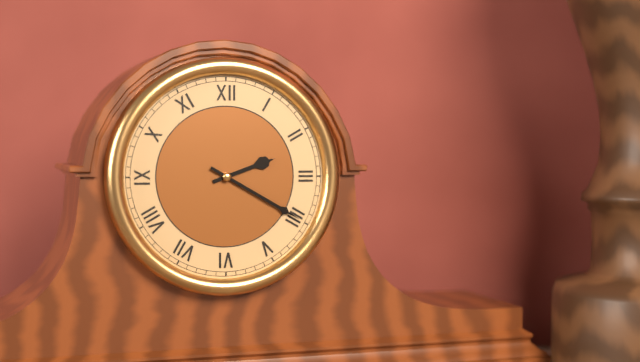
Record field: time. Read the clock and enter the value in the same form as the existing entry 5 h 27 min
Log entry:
2 h 20 min
